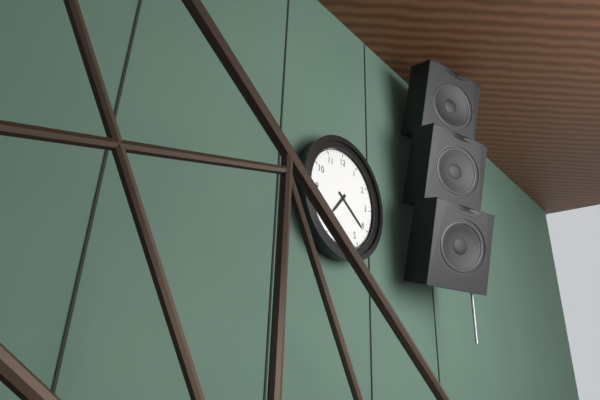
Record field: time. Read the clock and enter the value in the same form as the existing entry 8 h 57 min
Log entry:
7 h 21 min
